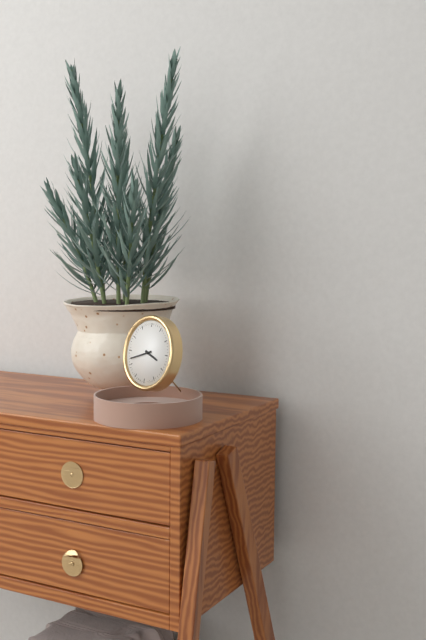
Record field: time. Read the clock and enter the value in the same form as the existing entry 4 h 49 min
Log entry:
3 h 42 min
